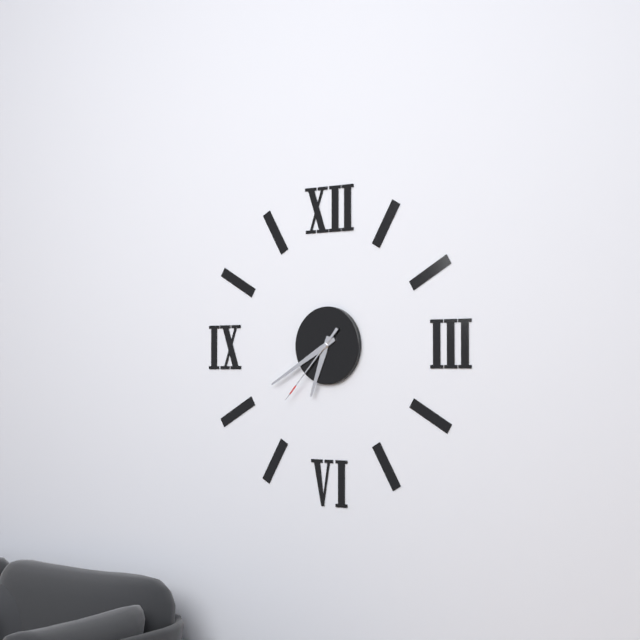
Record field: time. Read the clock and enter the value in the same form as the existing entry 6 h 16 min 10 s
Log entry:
6 h 40 min 37 s
